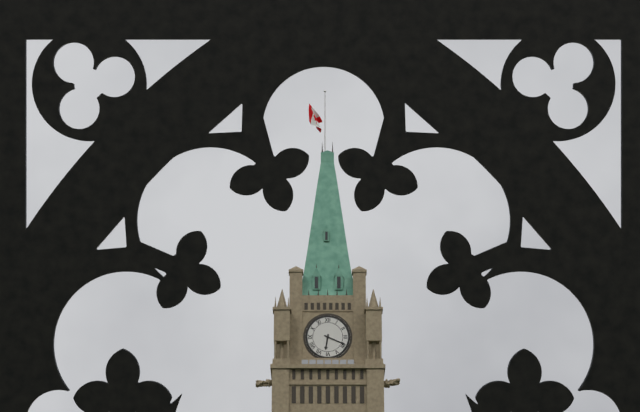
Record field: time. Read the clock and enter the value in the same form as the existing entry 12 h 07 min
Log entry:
6 h 19 min
